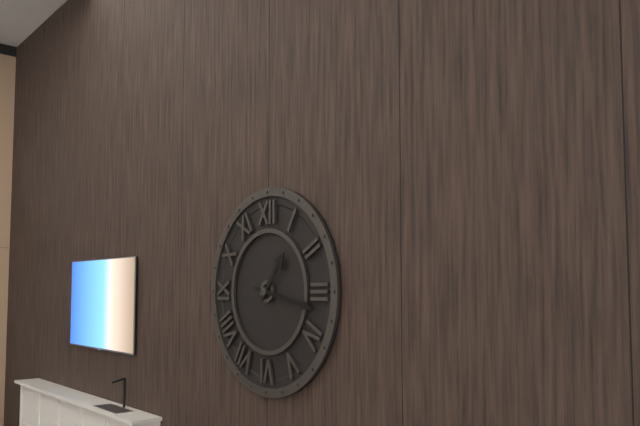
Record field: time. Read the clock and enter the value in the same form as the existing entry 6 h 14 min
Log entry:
1 h 17 min
